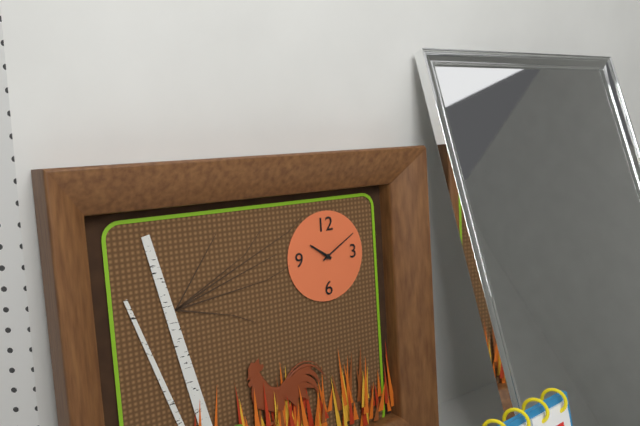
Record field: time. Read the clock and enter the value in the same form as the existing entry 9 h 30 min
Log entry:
10 h 10 min
